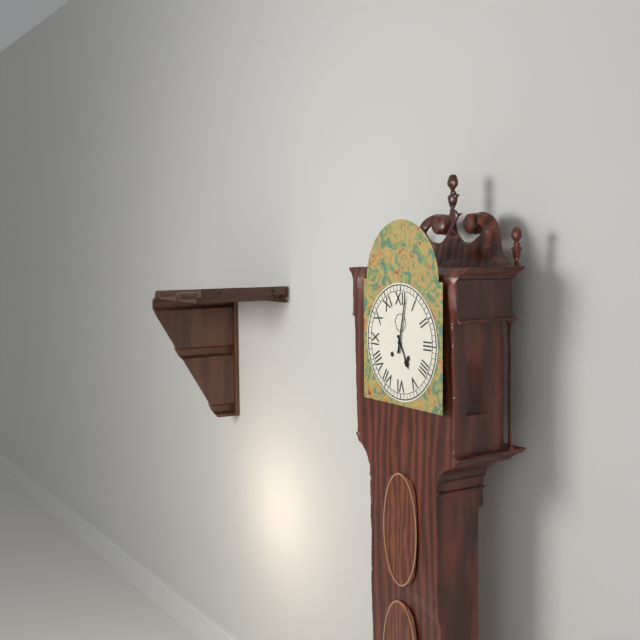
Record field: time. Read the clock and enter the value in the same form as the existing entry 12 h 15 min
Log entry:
5 h 02 min
